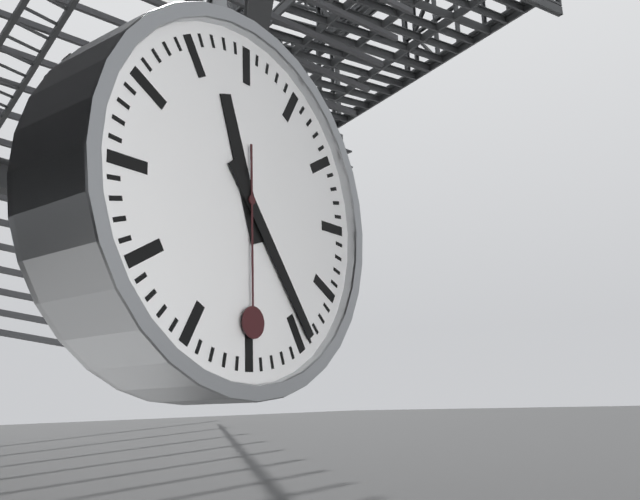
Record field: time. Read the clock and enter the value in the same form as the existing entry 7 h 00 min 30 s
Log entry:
11 h 24 min 30 s
